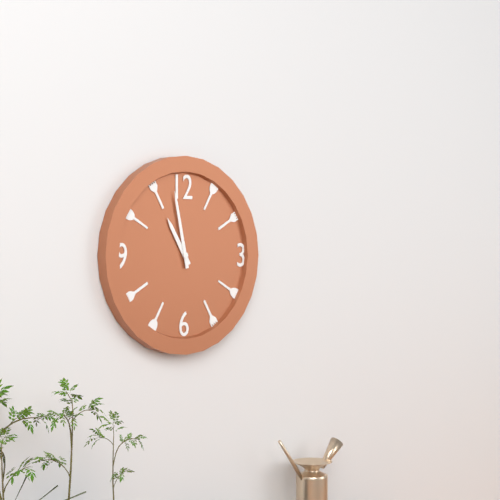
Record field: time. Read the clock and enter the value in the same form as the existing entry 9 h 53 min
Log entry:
10 h 58 min
